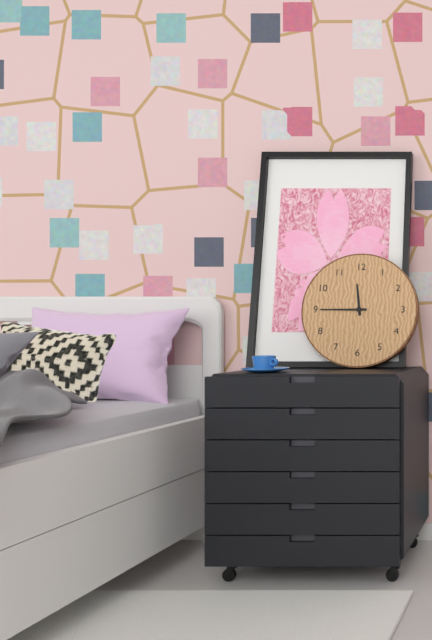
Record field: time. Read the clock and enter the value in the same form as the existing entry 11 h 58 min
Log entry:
11 h 45 min
